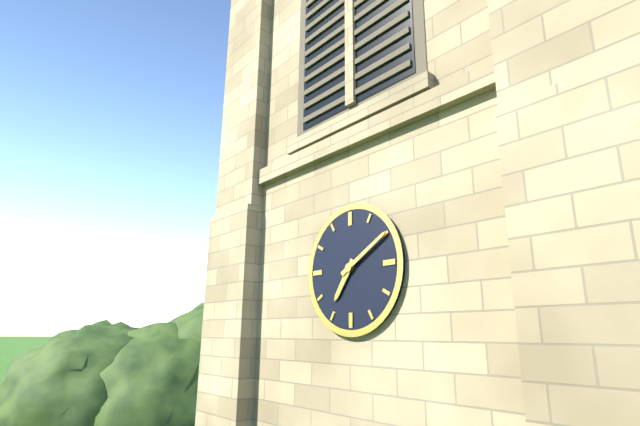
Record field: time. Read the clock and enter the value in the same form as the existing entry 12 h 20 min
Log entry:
7 h 10 min
